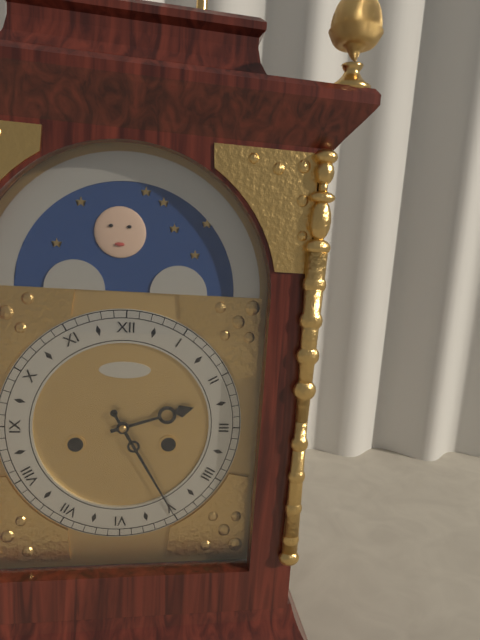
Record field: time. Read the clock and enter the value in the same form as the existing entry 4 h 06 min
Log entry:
2 h 25 min
